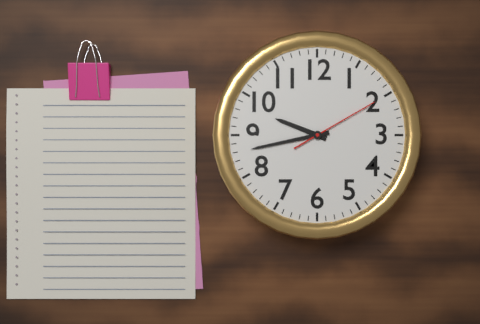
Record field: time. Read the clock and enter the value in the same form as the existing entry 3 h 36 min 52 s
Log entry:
9 h 43 min 10 s
